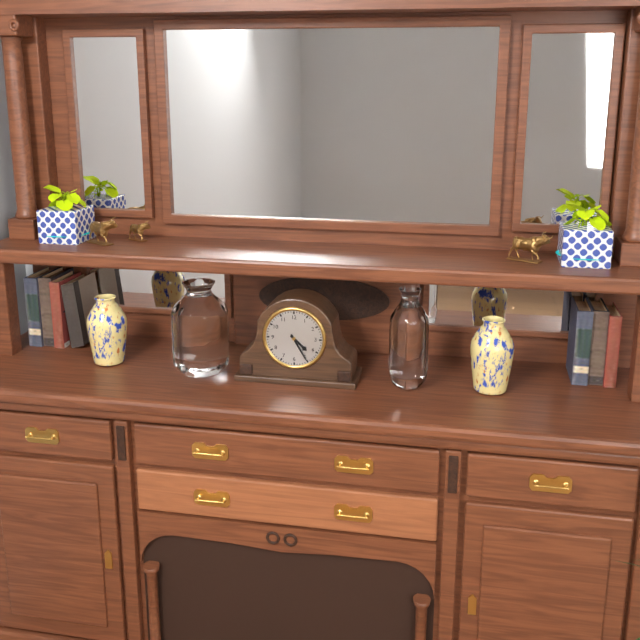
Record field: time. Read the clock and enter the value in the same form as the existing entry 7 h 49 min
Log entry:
4 h 25 min
